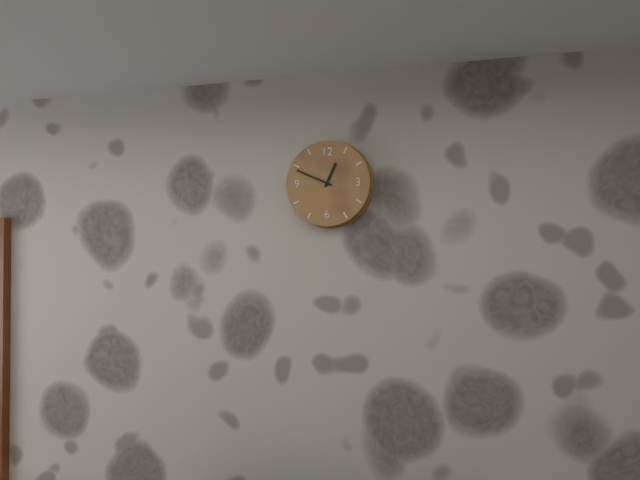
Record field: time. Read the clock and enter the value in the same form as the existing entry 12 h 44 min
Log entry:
12 h 49 min
